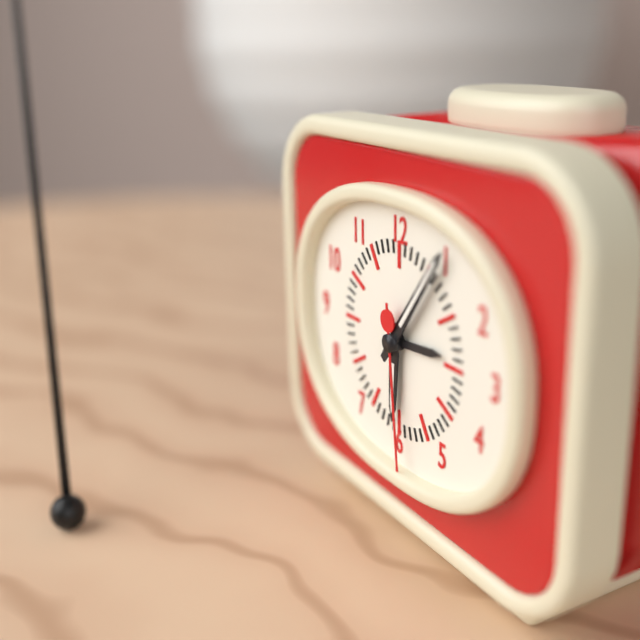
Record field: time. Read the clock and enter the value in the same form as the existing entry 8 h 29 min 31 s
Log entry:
6 h 06 min 29 s
